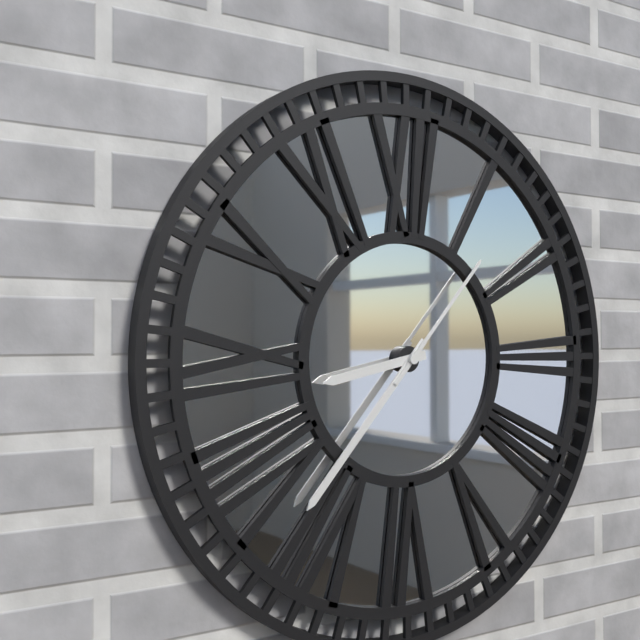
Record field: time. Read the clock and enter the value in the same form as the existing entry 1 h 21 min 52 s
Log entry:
8 h 37 min 07 s
